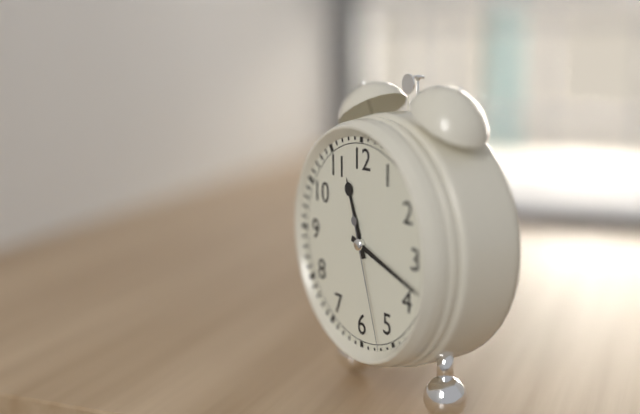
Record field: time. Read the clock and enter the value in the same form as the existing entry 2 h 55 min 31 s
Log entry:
11 h 18 min 27 s
